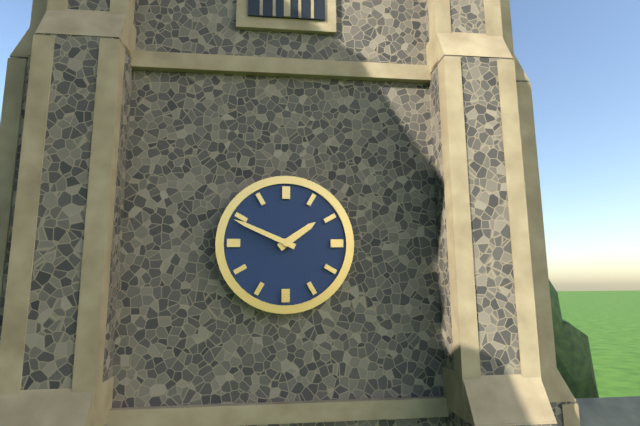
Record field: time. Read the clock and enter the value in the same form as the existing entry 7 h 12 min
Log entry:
1 h 49 min
